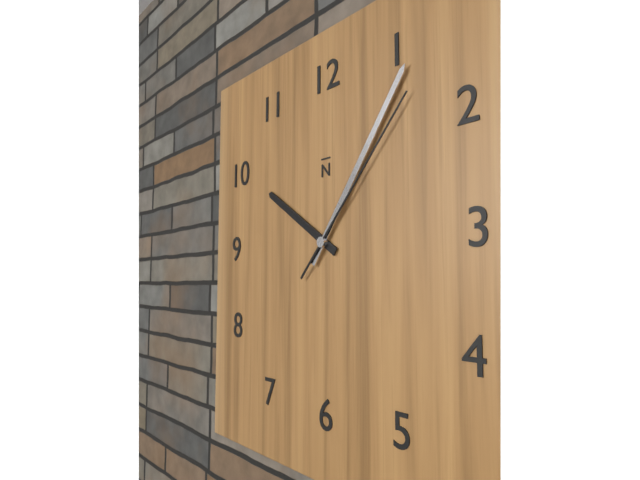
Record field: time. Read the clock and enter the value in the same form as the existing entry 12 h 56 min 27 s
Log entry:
10 h 06 min 07 s
